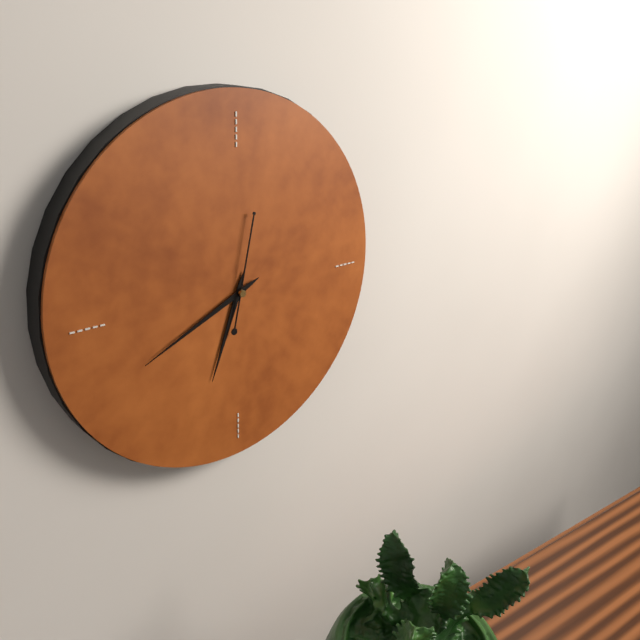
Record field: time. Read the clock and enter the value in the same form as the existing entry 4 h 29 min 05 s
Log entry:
6 h 41 min 02 s
